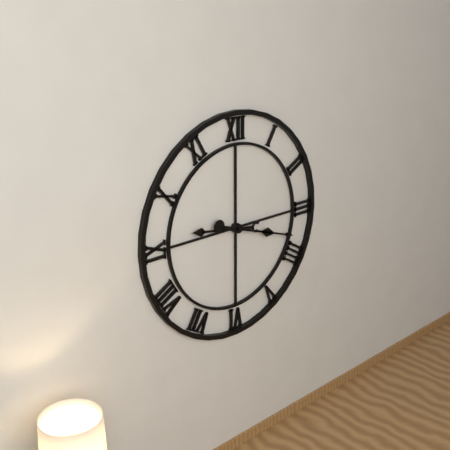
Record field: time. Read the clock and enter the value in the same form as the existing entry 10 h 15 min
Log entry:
9 h 18 min
